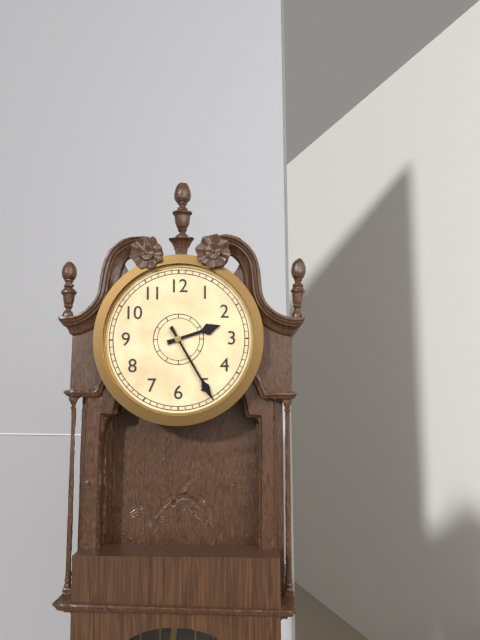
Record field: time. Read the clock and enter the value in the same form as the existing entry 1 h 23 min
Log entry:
2 h 25 min
